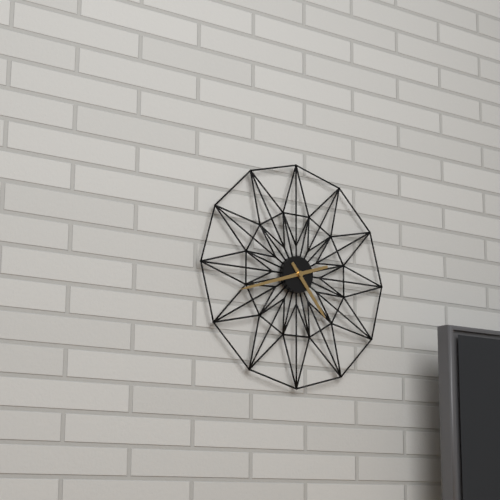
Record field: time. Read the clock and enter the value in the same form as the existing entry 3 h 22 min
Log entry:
4 h 42 min
